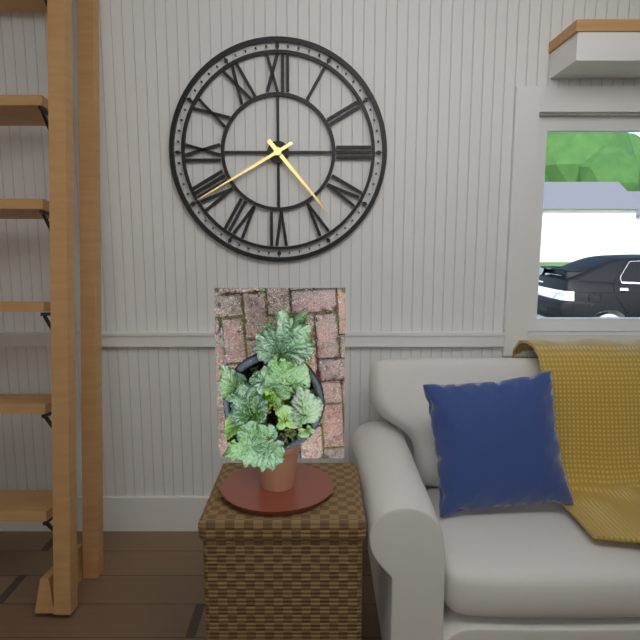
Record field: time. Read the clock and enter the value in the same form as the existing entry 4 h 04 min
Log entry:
4 h 40 min
